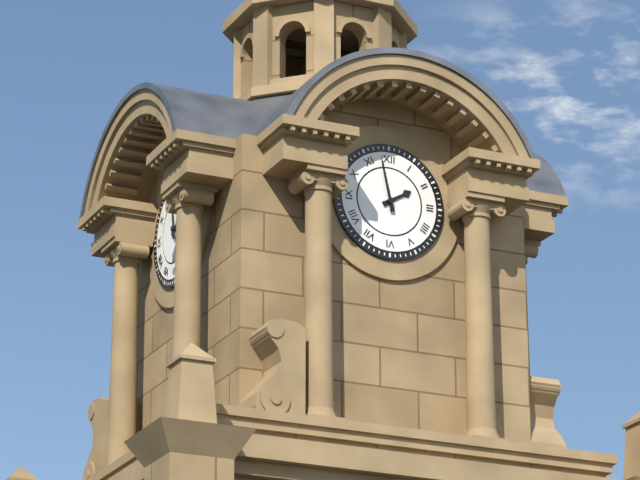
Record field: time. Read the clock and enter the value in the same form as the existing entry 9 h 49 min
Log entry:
1 h 58 min
